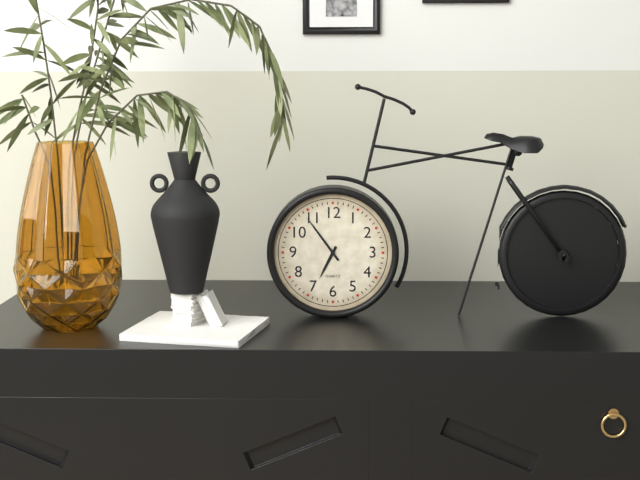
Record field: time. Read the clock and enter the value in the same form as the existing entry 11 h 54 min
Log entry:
6 h 54 min
